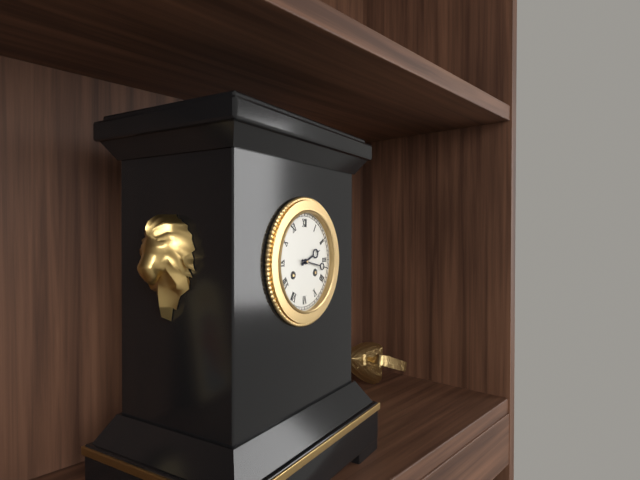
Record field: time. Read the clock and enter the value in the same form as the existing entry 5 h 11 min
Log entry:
2 h 17 min
